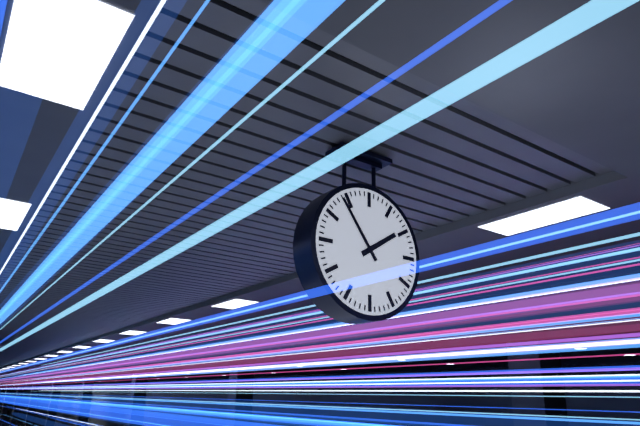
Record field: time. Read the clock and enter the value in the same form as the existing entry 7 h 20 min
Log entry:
1 h 54 min
